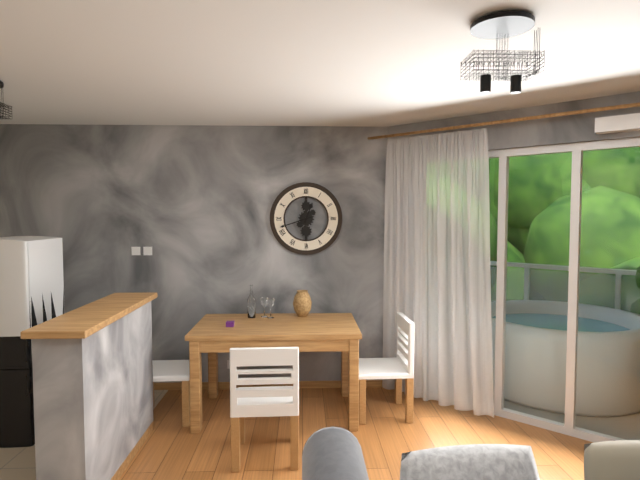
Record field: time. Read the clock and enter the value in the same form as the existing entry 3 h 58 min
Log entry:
12 h 42 min
